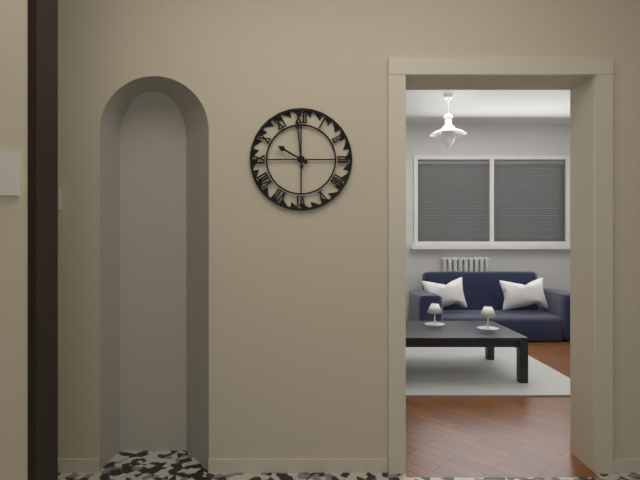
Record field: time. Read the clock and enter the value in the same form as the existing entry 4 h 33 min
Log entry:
9 h 59 min
